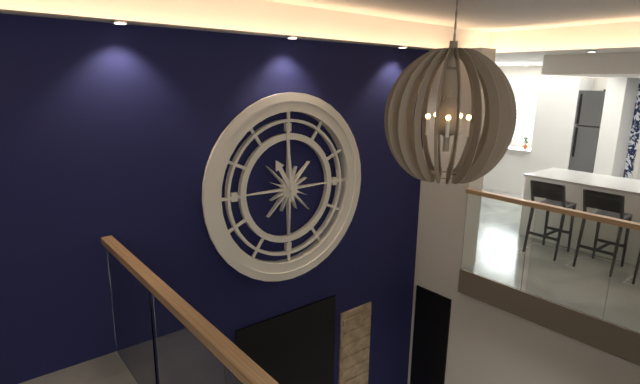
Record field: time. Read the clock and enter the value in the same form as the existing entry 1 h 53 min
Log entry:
10 h 59 min
